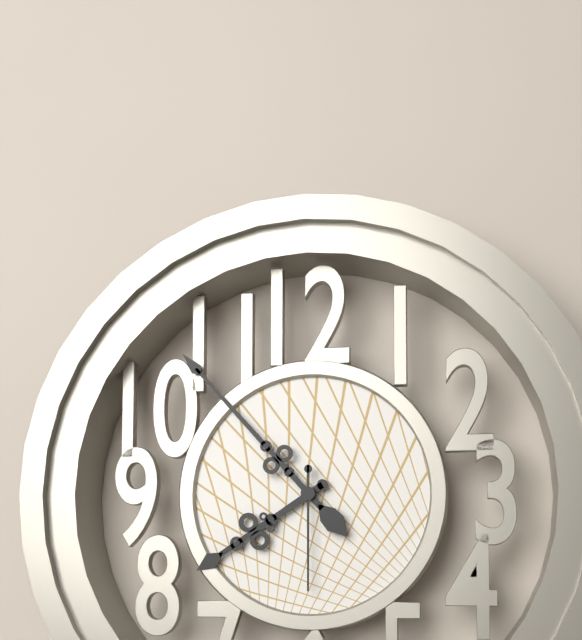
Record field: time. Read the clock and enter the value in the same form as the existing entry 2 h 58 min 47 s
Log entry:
7 h 53 min 30 s
